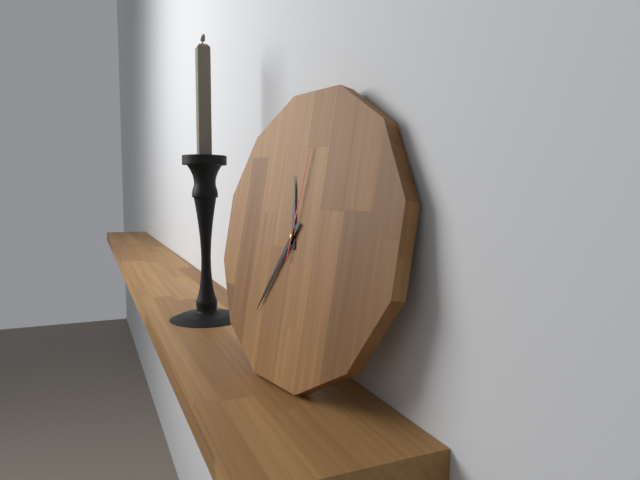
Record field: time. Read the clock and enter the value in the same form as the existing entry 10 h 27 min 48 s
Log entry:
11 h 35 min 01 s
